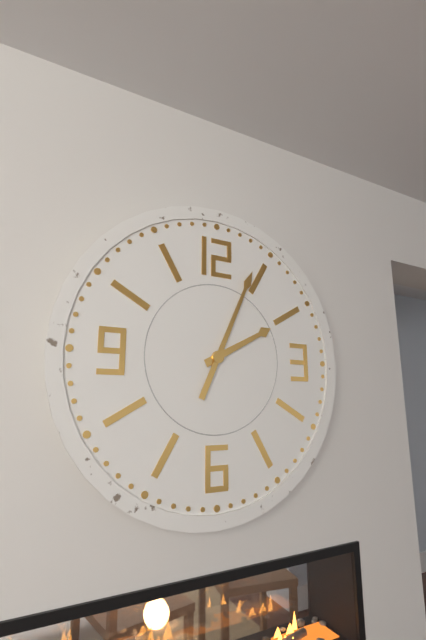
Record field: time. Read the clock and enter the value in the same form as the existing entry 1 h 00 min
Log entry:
2 h 04 min
